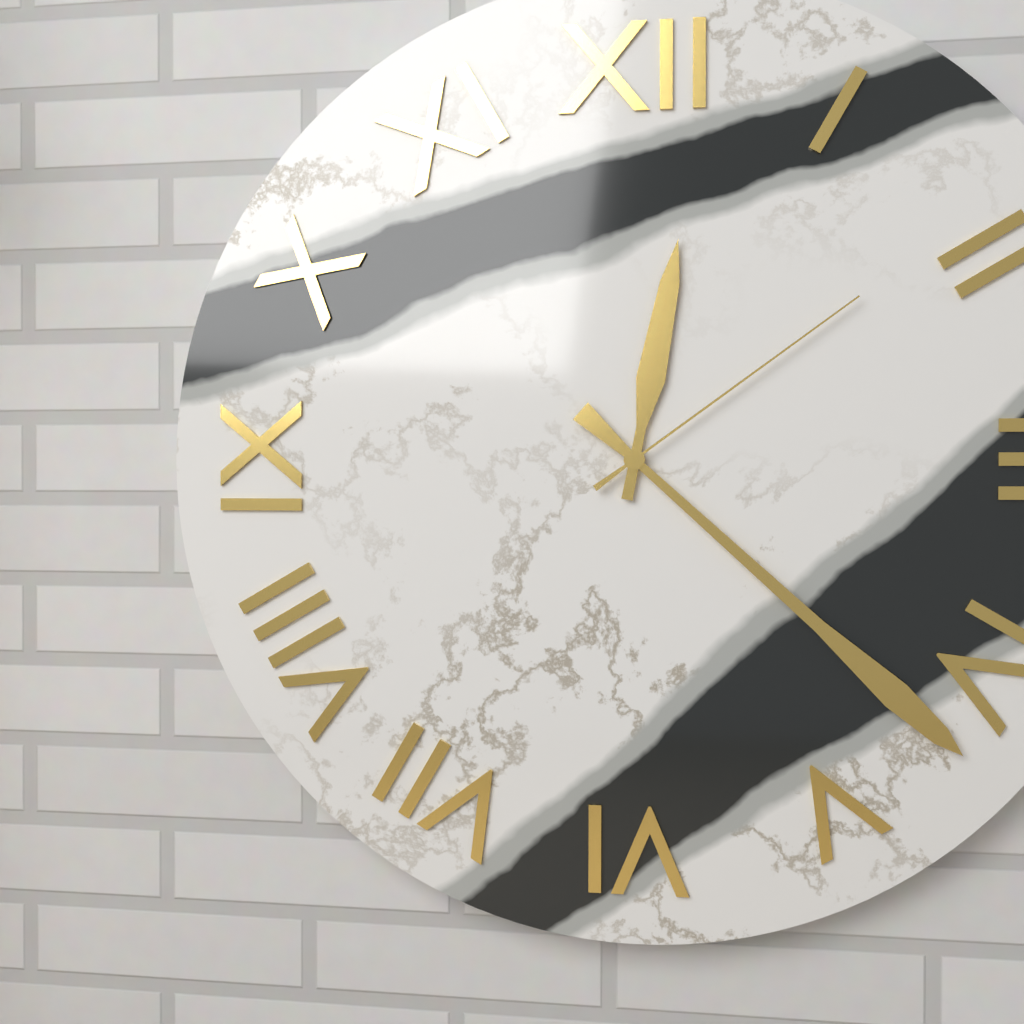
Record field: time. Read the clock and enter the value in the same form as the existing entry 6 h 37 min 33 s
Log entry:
12 h 22 min 09 s
